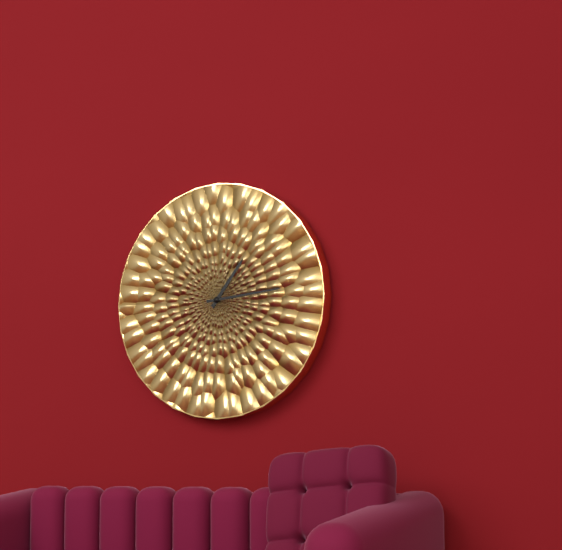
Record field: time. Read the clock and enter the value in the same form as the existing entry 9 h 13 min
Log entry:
1 h 14 min
